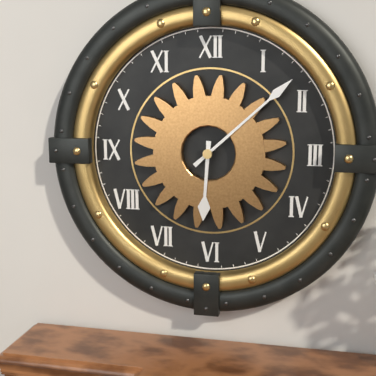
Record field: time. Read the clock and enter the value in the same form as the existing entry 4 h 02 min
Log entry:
6 h 08 min
